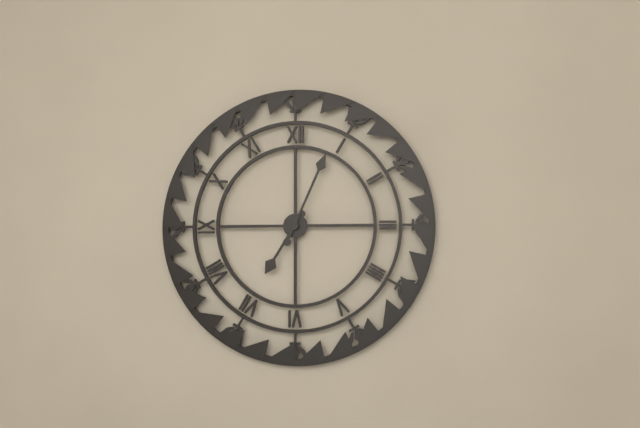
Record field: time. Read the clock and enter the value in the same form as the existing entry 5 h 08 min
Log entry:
7 h 04 min
